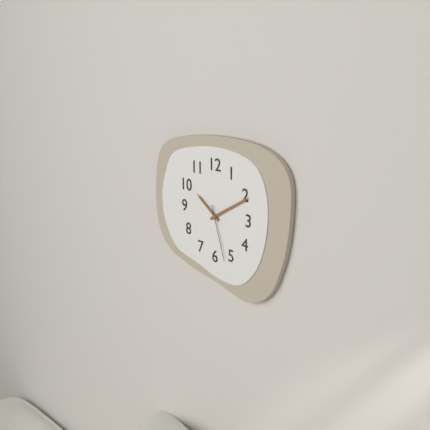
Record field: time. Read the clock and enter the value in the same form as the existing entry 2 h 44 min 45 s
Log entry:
10 h 10 min 27 s
